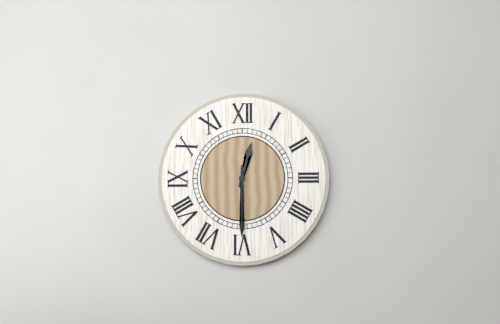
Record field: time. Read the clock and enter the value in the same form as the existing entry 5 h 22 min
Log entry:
12 h 30 min
